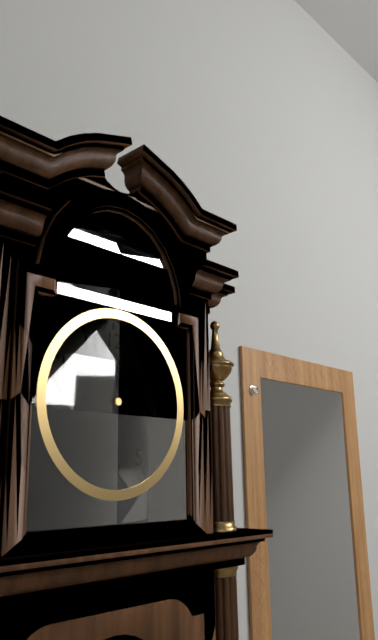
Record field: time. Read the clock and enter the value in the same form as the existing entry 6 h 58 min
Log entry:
10 h 30 min
